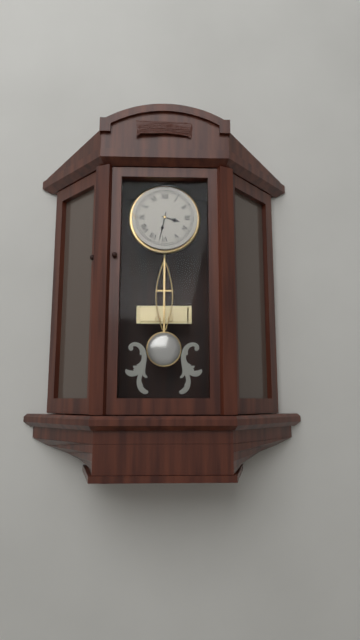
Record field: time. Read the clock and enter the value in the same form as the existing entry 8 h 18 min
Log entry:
3 h 32 min
